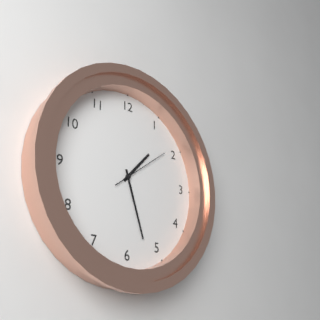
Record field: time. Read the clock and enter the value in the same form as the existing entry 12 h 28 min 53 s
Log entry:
1 h 27 min 09 s
